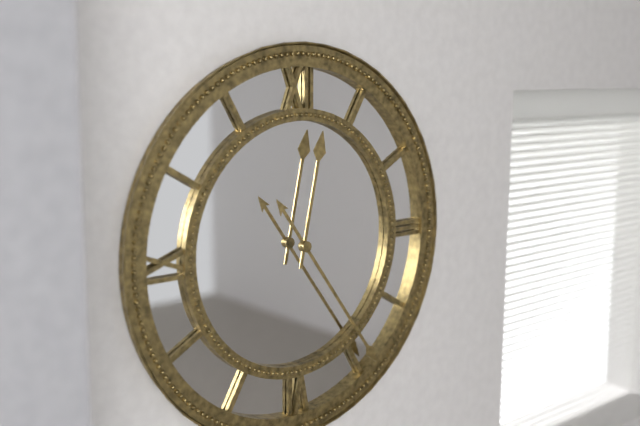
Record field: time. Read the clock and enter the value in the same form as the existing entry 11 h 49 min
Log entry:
12 h 24 min
